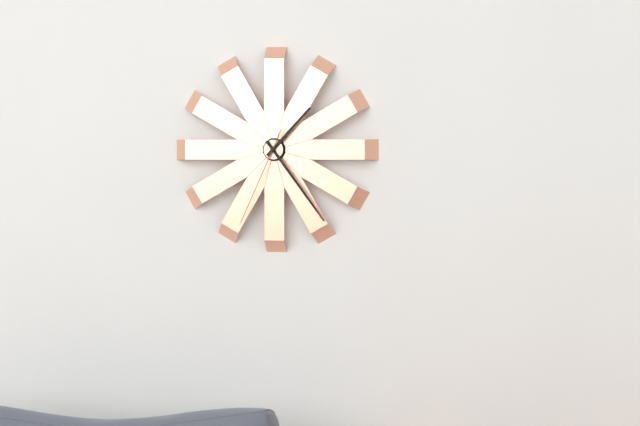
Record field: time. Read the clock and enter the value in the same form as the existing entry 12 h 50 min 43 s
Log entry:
1 h 24 min 34 s
